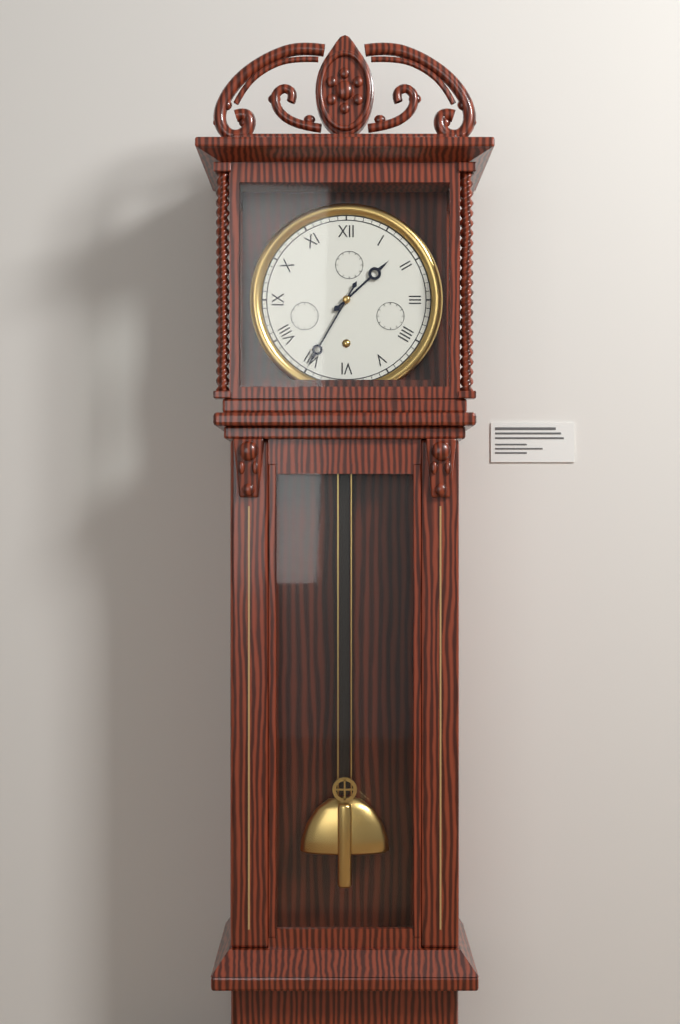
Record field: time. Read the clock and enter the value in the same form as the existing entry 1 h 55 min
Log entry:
1 h 35 min
